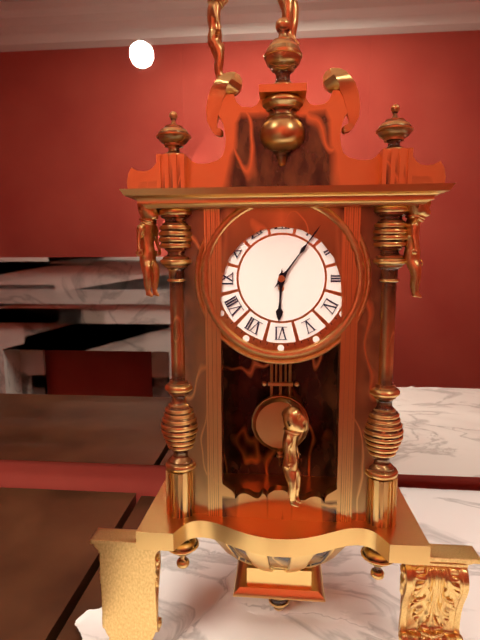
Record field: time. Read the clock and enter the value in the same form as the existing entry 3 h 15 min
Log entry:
6 h 06 min
